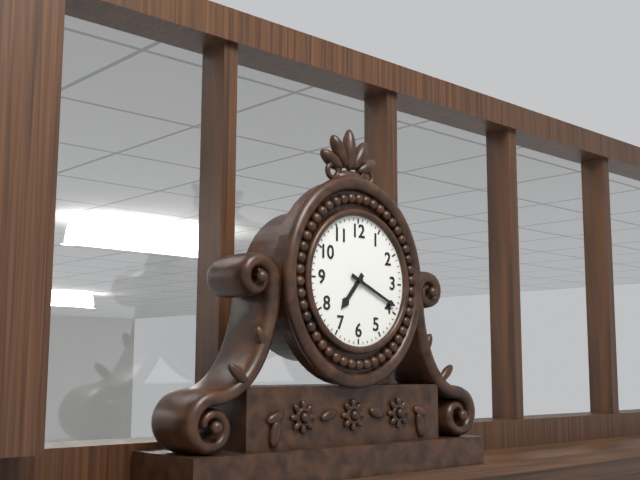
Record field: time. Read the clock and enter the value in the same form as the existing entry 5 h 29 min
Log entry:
7 h 19 min
